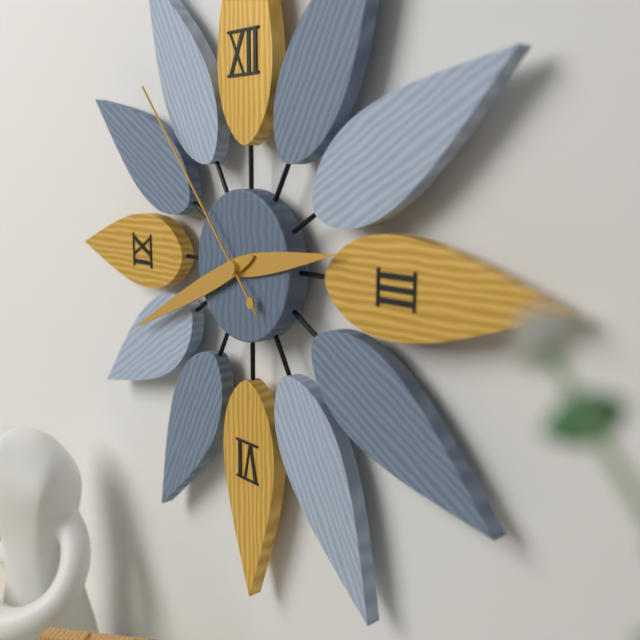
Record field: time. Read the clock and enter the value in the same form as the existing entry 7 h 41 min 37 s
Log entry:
2 h 41 min 53 s
